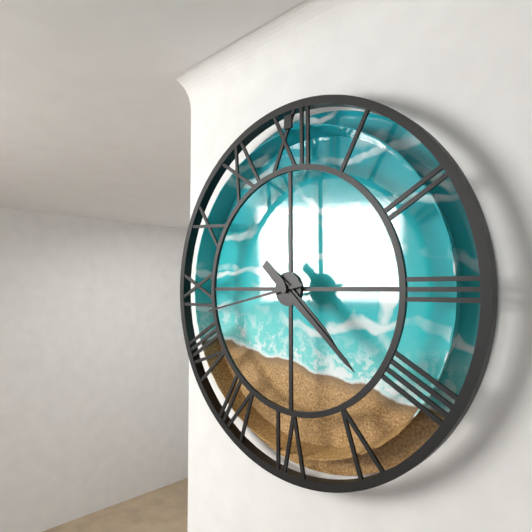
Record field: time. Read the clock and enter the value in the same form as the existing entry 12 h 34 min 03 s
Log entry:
4 h 22 min 43 s
